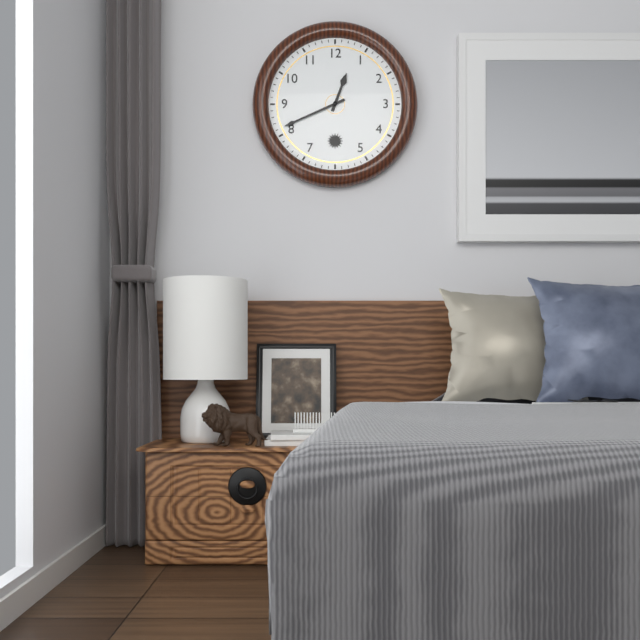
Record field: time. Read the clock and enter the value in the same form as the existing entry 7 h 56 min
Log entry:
12 h 41 min
